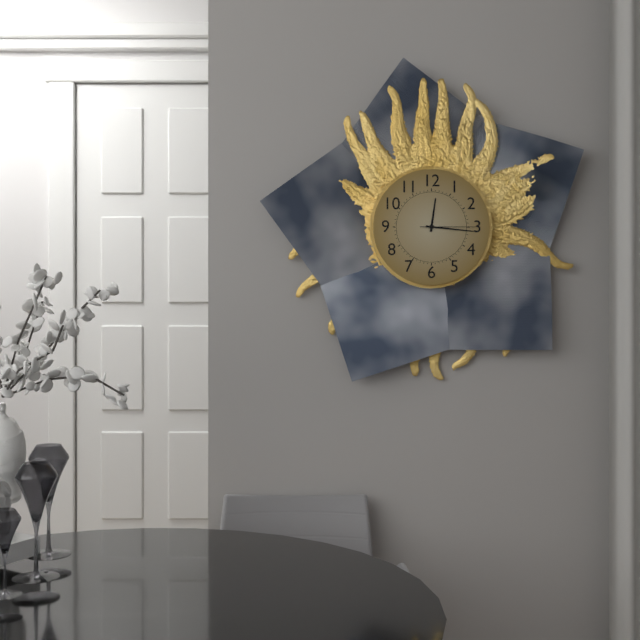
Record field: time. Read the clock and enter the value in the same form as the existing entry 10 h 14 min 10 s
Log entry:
12 h 16 min 15 s
